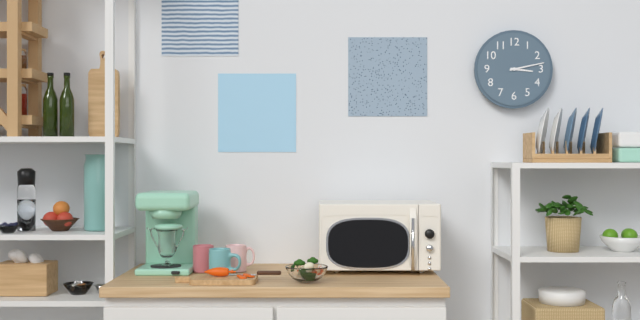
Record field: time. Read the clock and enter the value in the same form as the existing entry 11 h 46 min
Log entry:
3 h 13 min
